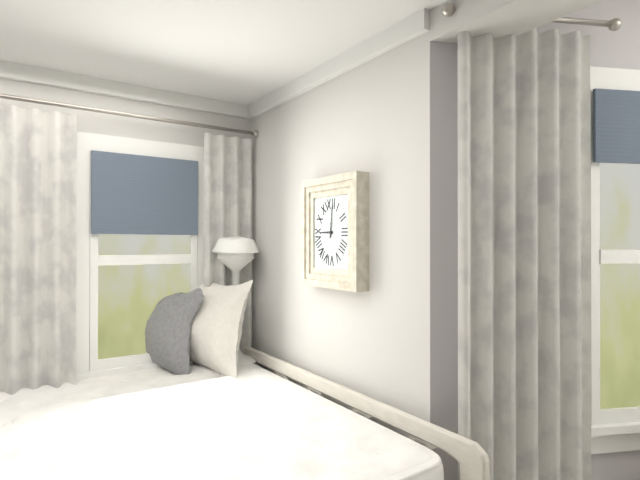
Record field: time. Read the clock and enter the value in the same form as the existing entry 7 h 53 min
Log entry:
9 h 01 min
